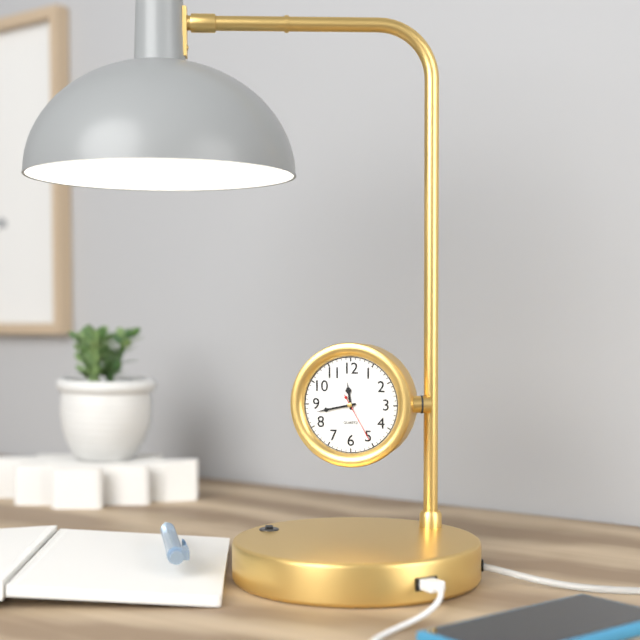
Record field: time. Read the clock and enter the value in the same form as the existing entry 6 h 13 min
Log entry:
11 h 43 min
